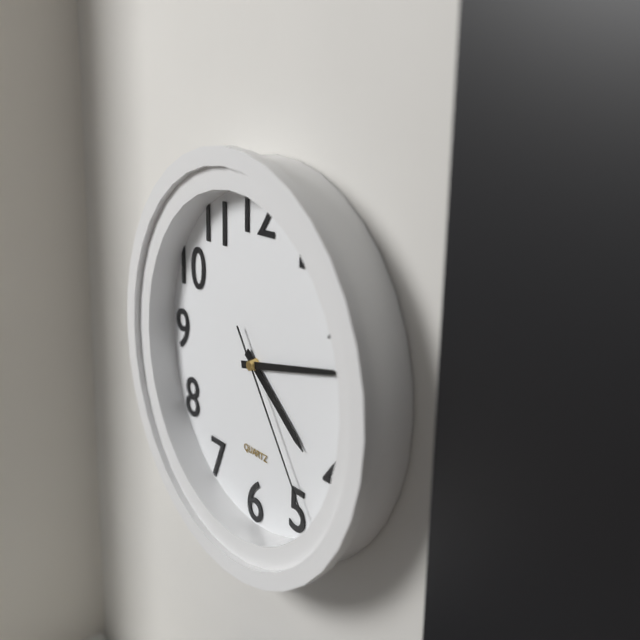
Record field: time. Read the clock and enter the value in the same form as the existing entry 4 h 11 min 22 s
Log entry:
4 h 13 min 24 s
